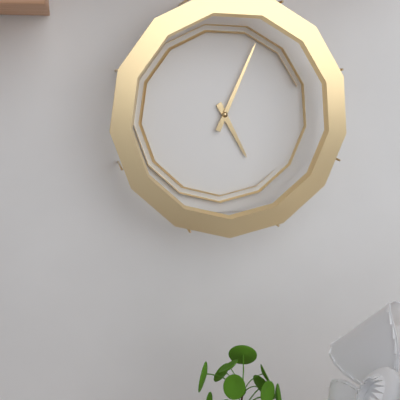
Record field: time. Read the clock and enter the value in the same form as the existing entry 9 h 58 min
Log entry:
5 h 04 min
